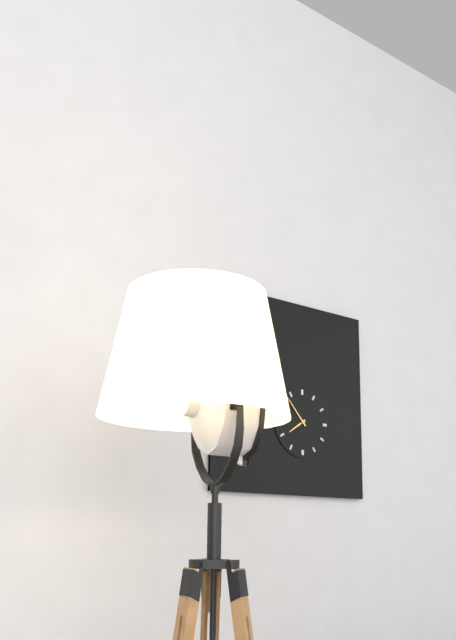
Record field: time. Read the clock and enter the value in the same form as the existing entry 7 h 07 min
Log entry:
7 h 53 min
